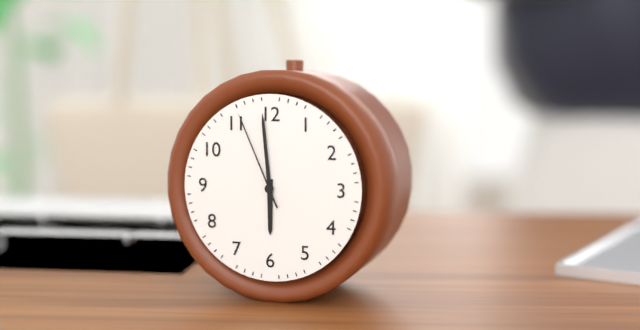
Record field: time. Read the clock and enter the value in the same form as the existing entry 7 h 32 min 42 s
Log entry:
5 h 59 min 56 s
